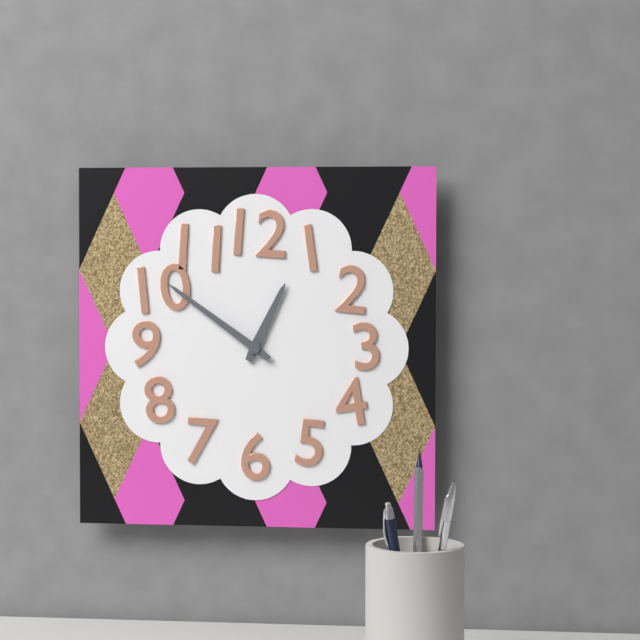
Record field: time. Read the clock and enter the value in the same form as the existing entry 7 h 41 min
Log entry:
12 h 51 min
